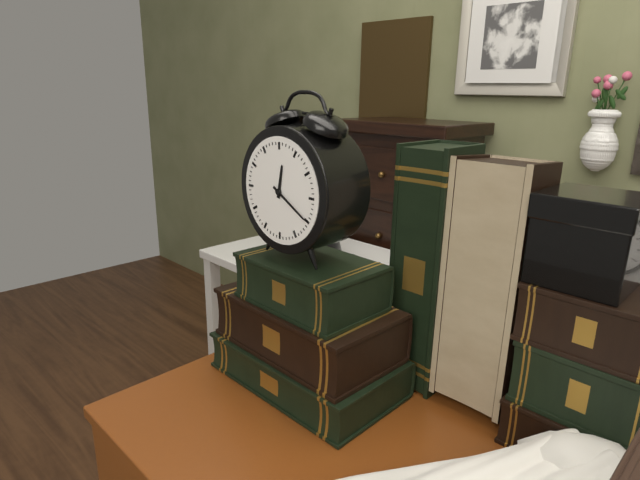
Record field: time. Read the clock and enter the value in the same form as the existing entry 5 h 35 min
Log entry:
12 h 20 min
